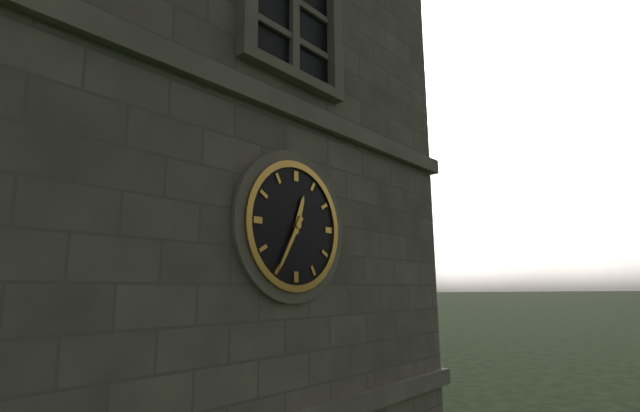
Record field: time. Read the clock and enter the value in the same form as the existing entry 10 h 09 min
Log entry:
12 h 35 min
